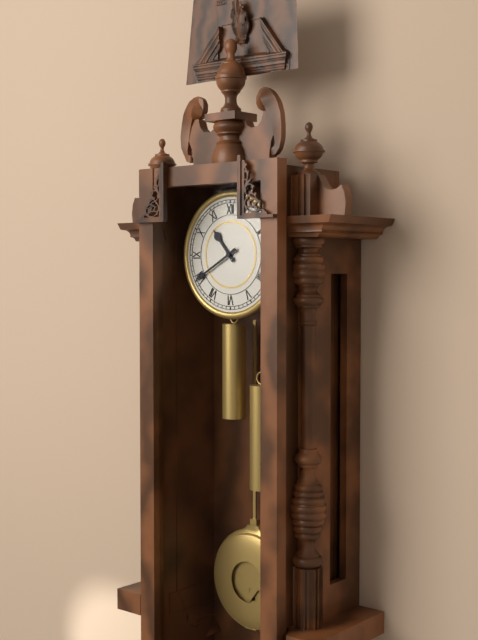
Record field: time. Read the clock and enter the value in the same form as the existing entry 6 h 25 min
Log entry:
10 h 40 min
